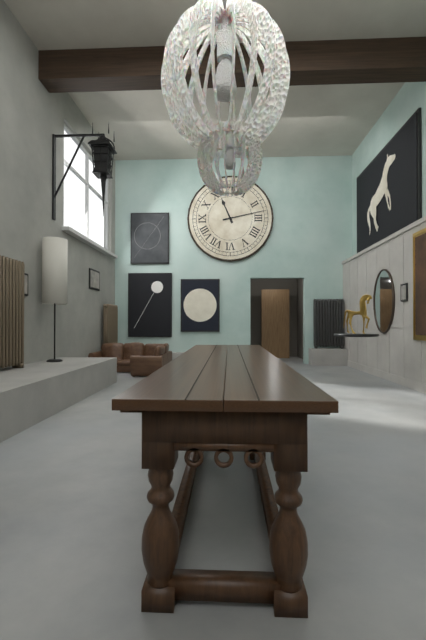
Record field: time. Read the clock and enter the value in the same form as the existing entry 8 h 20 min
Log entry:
11 h 13 min
